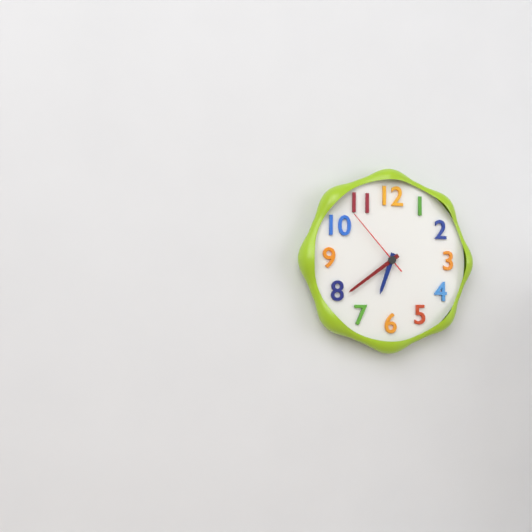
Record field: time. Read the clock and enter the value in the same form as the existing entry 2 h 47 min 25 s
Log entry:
6 h 39 min 53 s
